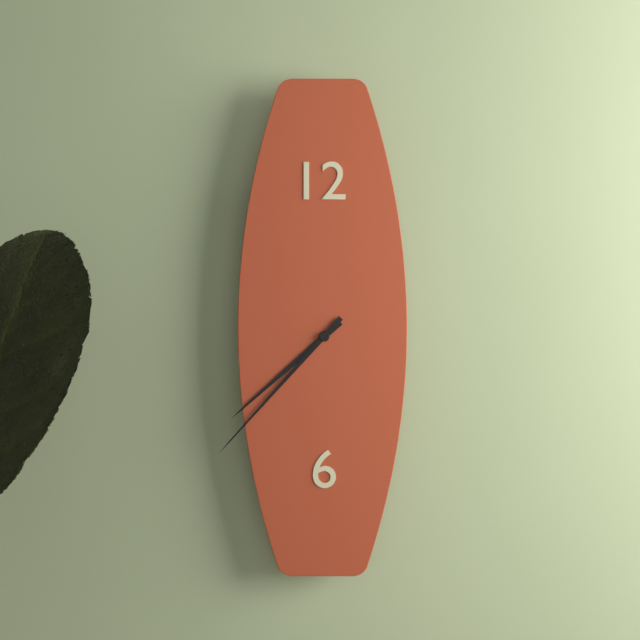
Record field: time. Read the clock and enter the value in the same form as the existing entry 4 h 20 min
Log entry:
7 h 37 min
